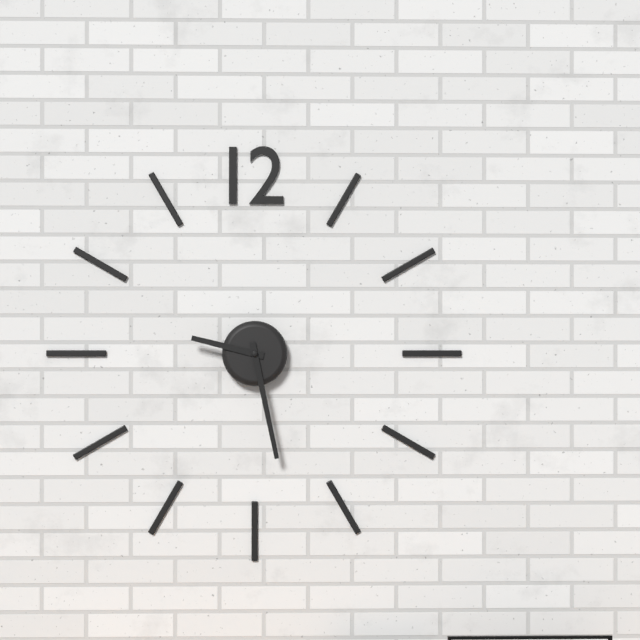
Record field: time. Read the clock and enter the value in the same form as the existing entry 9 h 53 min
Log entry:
9 h 28 min
